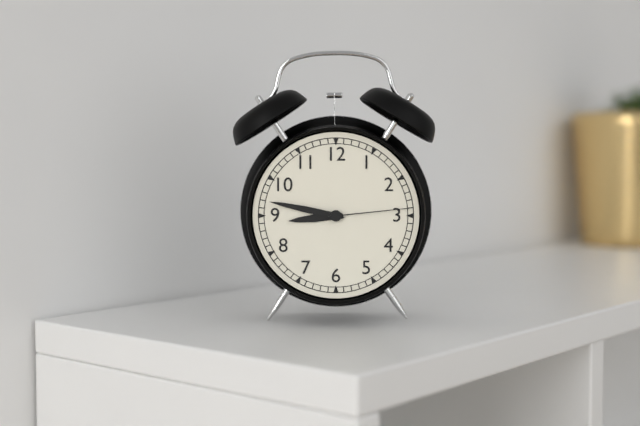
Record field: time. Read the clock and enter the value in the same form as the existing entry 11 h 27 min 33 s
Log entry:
8 h 47 min 14 s
